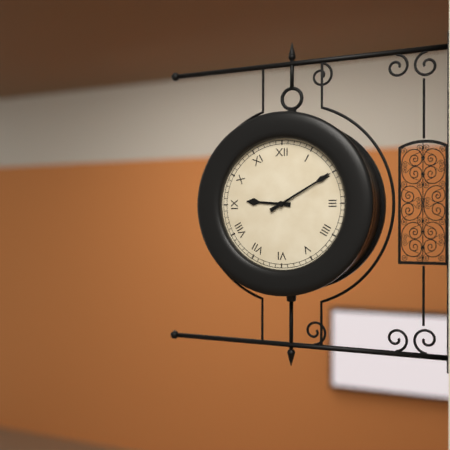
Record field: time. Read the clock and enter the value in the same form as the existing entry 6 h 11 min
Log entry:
9 h 10 min
